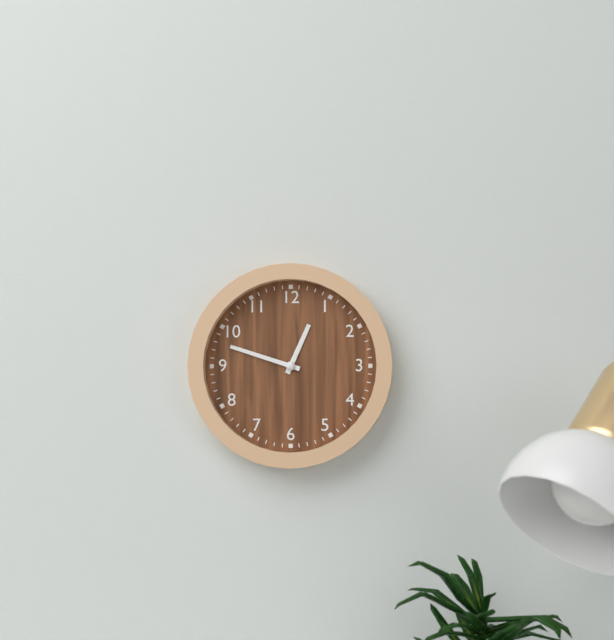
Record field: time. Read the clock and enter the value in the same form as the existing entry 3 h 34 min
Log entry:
12 h 48 min
